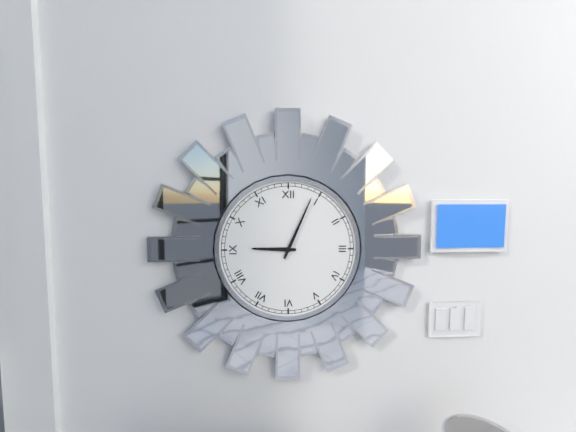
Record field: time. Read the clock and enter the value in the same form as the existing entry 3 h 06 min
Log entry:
9 h 04 min
